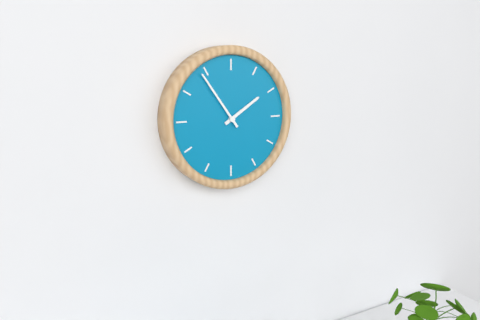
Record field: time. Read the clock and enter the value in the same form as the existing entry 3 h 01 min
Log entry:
1 h 54 min
